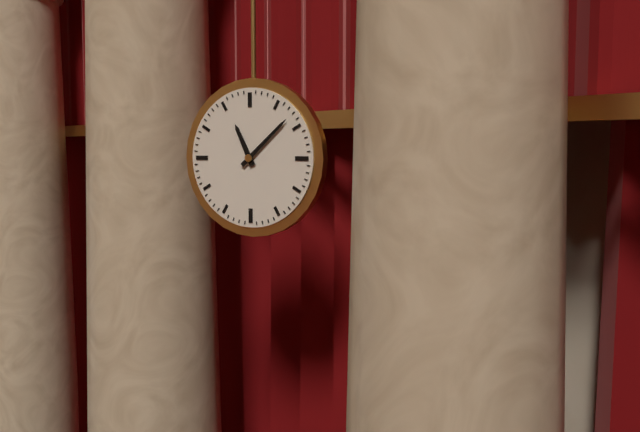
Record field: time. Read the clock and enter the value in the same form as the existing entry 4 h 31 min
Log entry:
11 h 08 min
